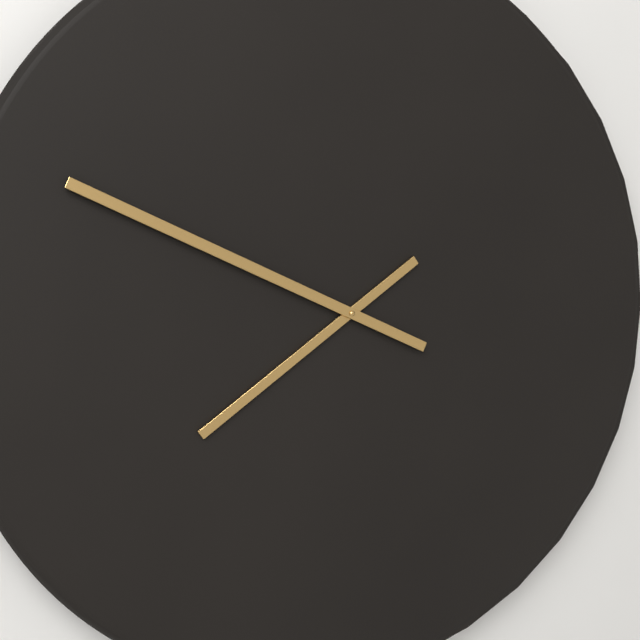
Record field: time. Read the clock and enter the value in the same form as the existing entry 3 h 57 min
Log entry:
7 h 49 min
